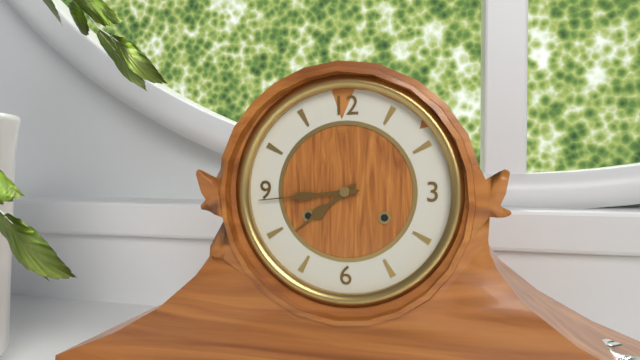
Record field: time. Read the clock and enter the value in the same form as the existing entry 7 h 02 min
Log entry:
7 h 44 min
